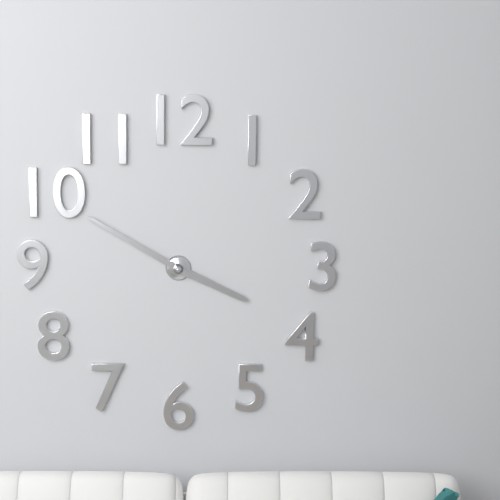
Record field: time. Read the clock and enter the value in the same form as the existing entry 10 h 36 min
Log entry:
3 h 50 min
